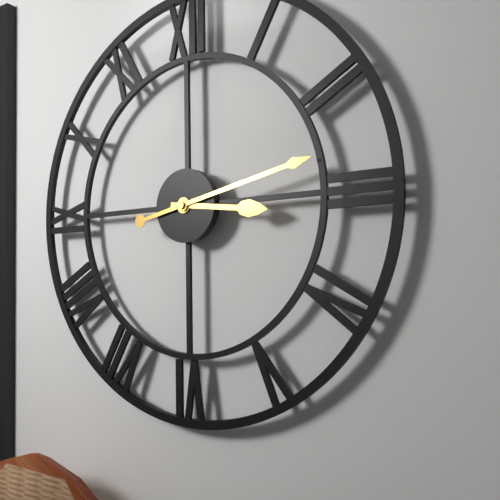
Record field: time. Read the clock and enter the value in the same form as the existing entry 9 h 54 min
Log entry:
3 h 13 min
